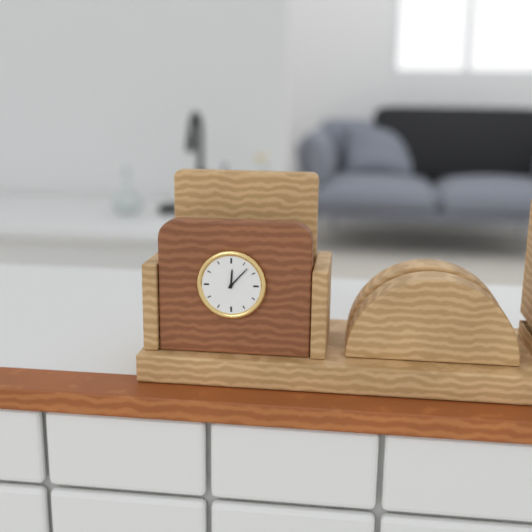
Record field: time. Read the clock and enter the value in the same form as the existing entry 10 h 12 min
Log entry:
12 h 07 min
